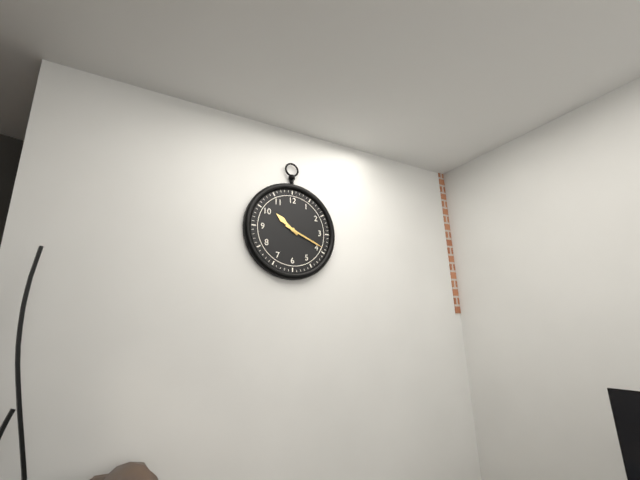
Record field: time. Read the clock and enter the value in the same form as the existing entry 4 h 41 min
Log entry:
10 h 19 min
